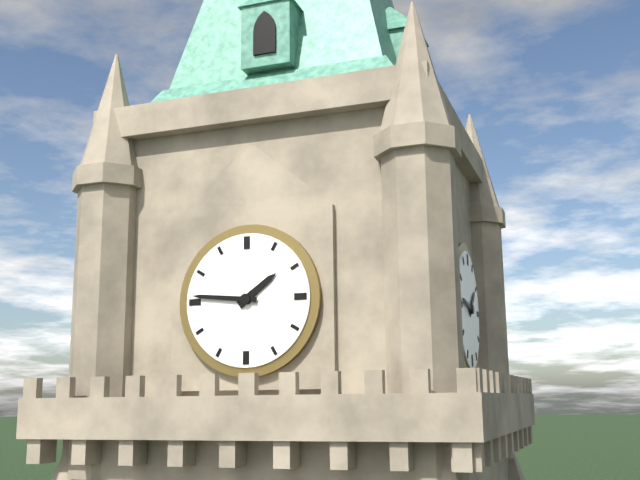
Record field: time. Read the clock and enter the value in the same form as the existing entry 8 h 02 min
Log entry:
1 h 46 min
